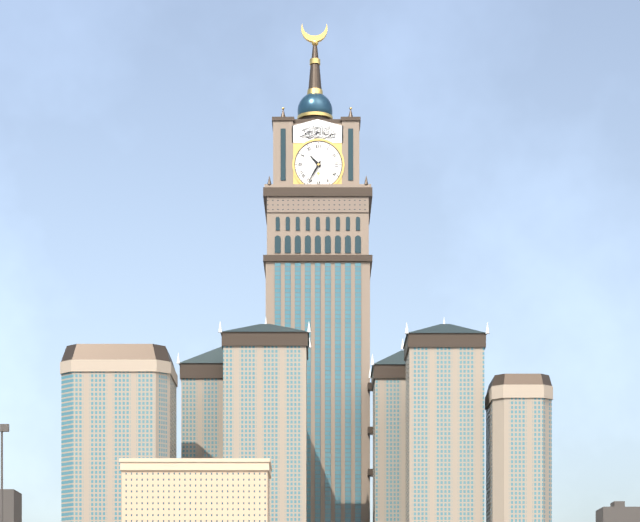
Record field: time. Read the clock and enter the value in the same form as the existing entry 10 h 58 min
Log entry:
10 h 35 min
